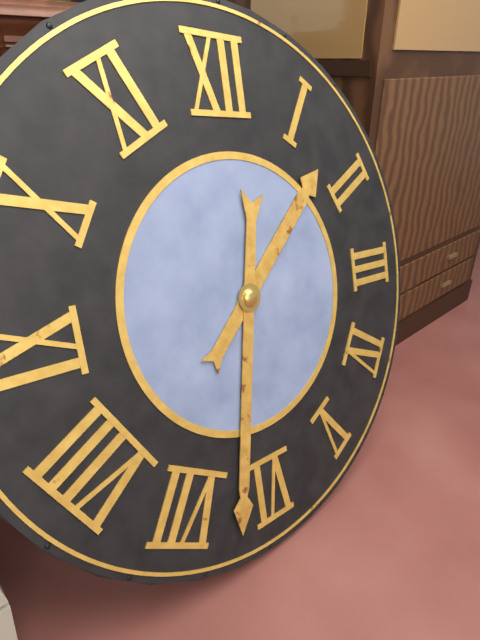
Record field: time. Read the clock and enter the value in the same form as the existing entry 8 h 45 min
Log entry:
1 h 32 min
